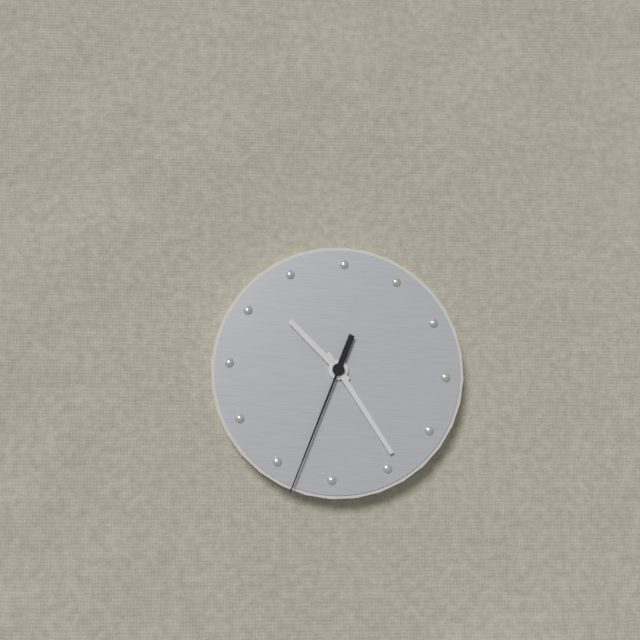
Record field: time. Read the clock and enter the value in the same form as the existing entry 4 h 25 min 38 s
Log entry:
10 h 24 min 33 s
